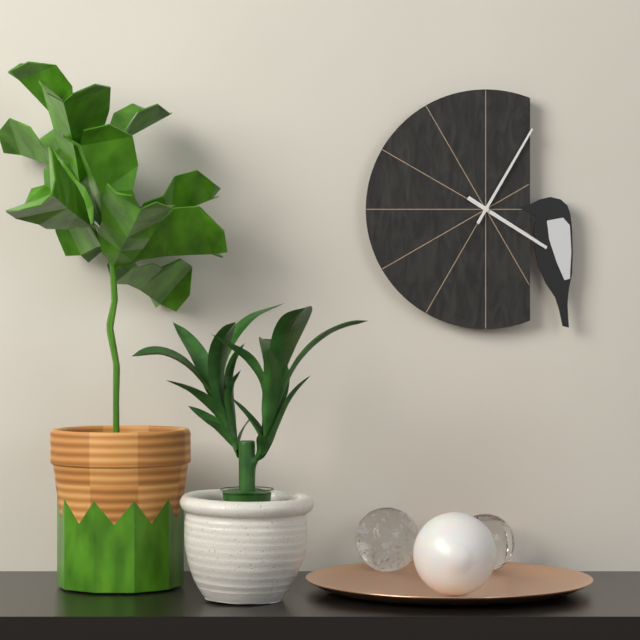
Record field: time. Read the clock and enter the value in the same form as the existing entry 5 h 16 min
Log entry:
4 h 05 min
